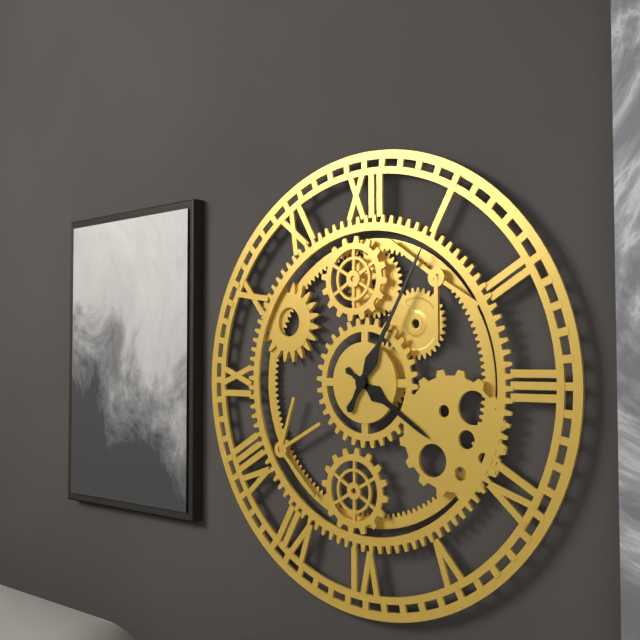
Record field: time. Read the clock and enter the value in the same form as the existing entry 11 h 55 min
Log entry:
4 h 05 min
